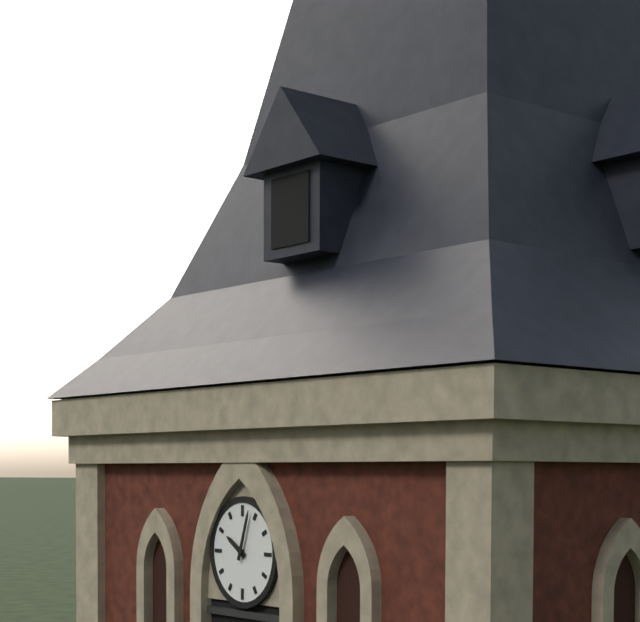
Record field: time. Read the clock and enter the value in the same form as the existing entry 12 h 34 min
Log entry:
10 h 03 min
